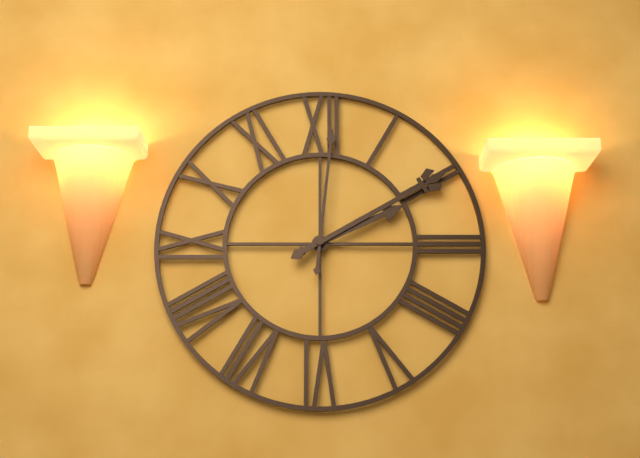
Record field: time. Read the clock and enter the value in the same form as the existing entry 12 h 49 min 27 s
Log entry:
2 h 10 min 01 s
